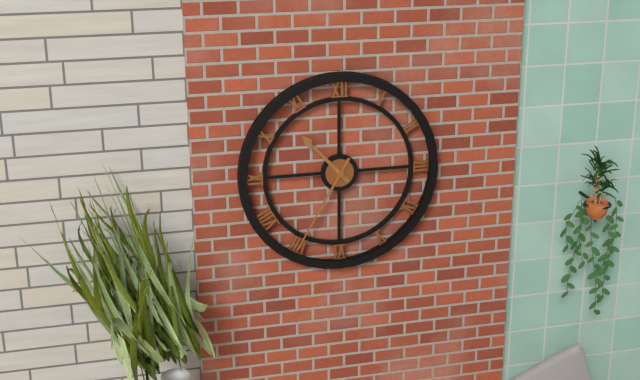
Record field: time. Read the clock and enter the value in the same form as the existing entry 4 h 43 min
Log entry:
10 h 35 min
